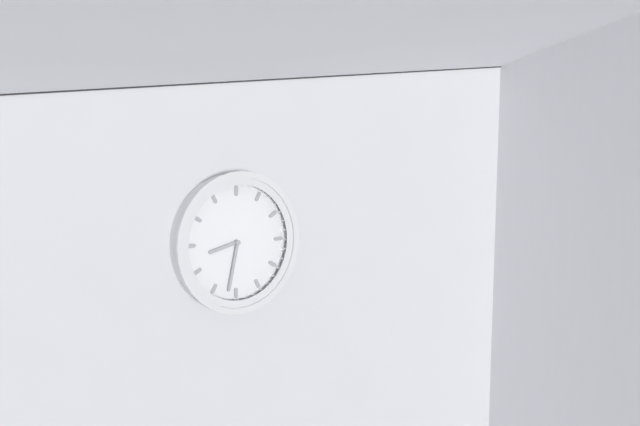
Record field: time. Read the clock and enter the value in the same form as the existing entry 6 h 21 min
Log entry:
8 h 32 min
